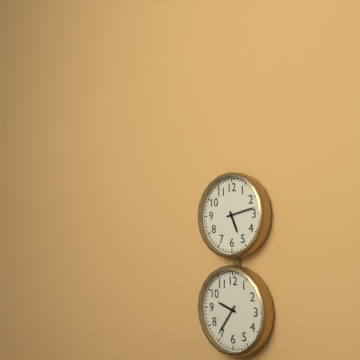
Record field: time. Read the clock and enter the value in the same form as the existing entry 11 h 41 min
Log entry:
5 h 13 min
